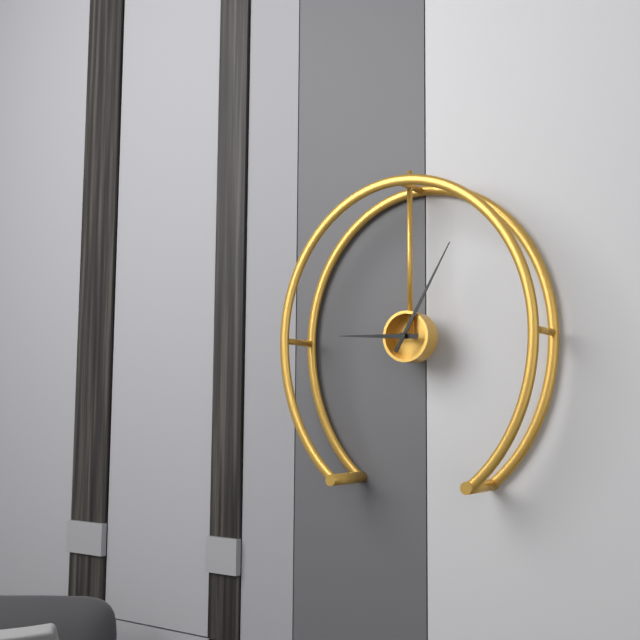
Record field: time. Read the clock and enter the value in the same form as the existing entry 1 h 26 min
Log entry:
9 h 05 min
